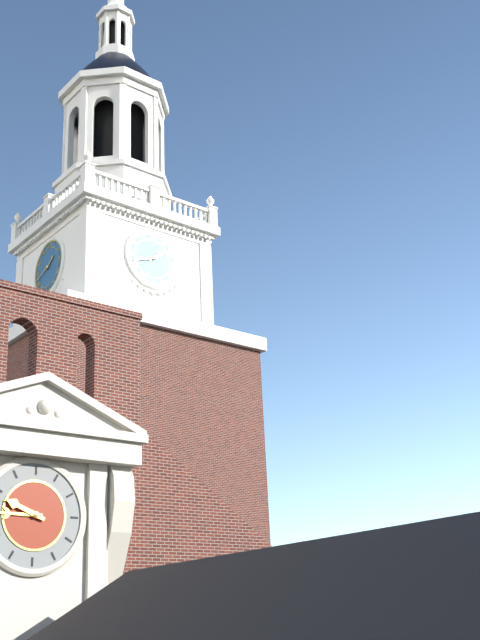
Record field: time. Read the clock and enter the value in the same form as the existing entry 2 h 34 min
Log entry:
1 h 42 min
